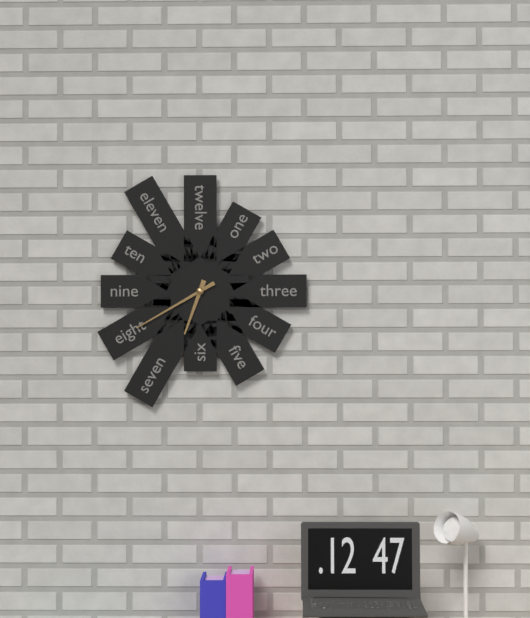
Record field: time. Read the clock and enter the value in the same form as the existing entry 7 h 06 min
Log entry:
6 h 40 min
